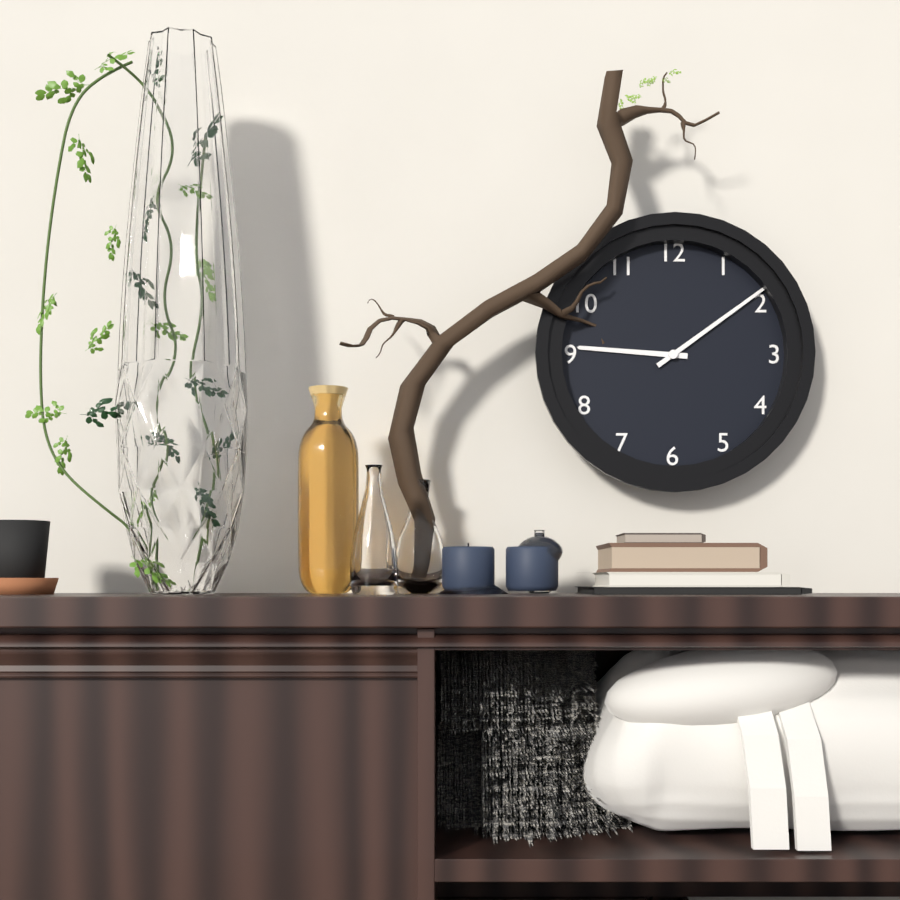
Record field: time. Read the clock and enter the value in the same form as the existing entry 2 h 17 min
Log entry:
9 h 09 min
